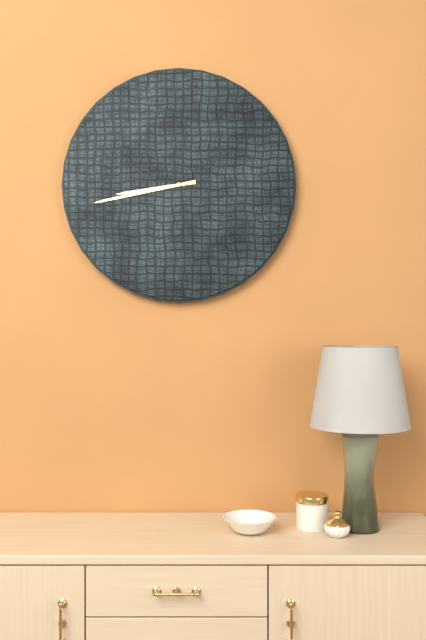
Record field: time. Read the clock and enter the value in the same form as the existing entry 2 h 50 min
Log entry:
8 h 43 min
